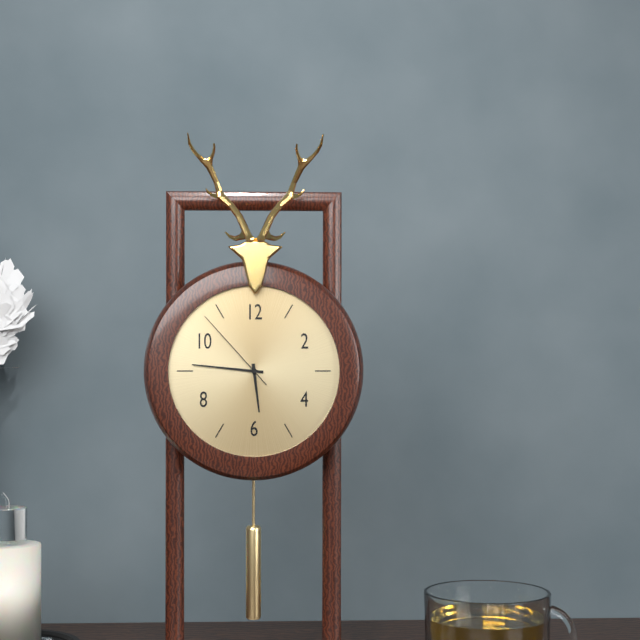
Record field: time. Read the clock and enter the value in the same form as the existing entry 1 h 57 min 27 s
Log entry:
5 h 46 min 53 s
